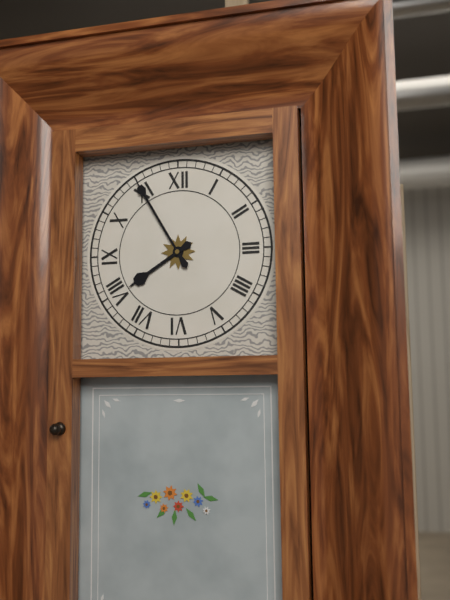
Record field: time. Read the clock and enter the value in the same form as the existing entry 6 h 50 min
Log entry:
7 h 55 min
